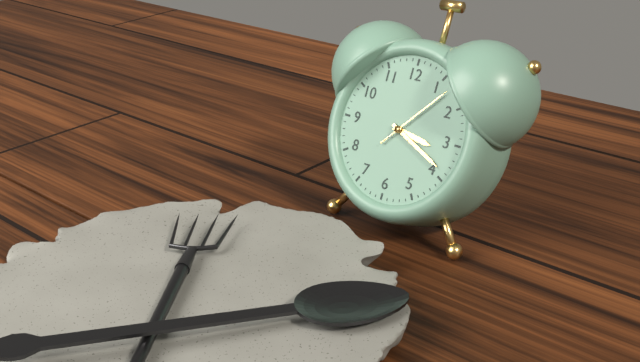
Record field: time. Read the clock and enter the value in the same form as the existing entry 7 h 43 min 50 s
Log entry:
3 h 19 min 07 s
